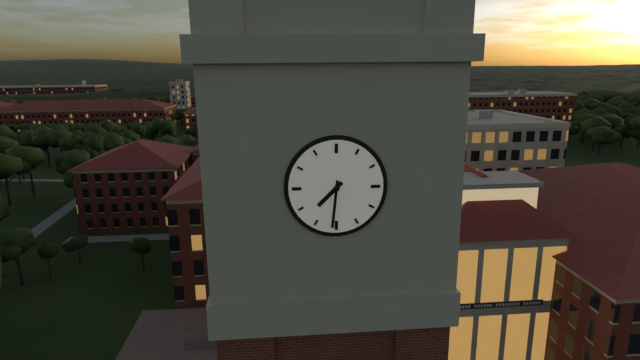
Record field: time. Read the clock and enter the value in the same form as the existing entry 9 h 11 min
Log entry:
7 h 31 min
